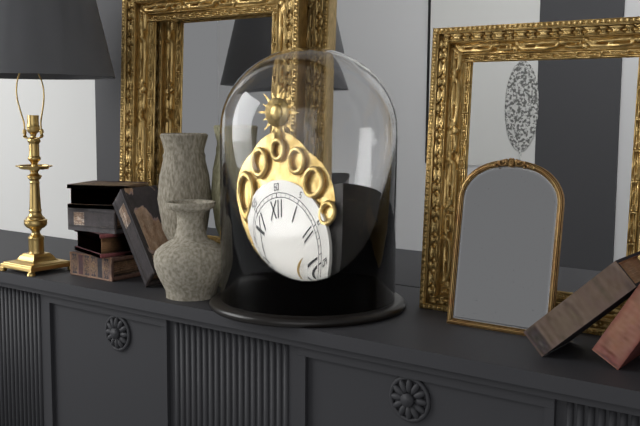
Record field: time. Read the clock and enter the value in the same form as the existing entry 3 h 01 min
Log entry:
2 h 31 min
